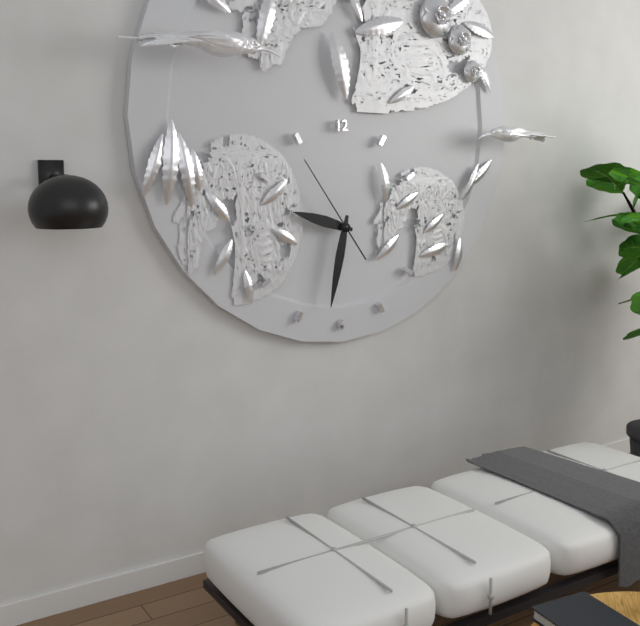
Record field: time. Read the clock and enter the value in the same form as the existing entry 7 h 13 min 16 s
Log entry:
9 h 32 min 54 s
